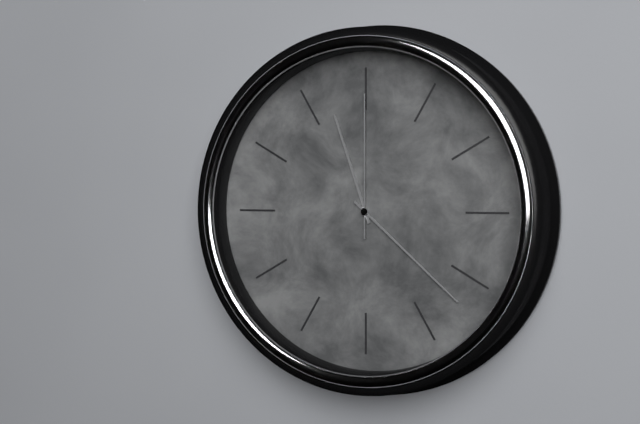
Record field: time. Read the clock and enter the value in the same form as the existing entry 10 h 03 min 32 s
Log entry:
11 h 22 min 00 s
